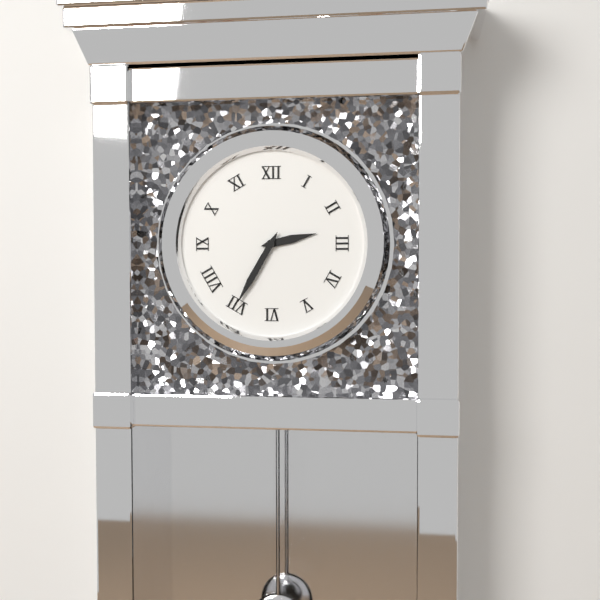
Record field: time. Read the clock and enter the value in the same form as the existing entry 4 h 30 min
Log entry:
2 h 35 min
